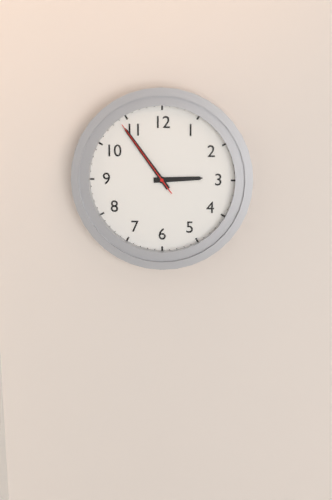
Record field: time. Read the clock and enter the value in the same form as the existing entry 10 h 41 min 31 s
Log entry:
2 h 54 min 54 s
